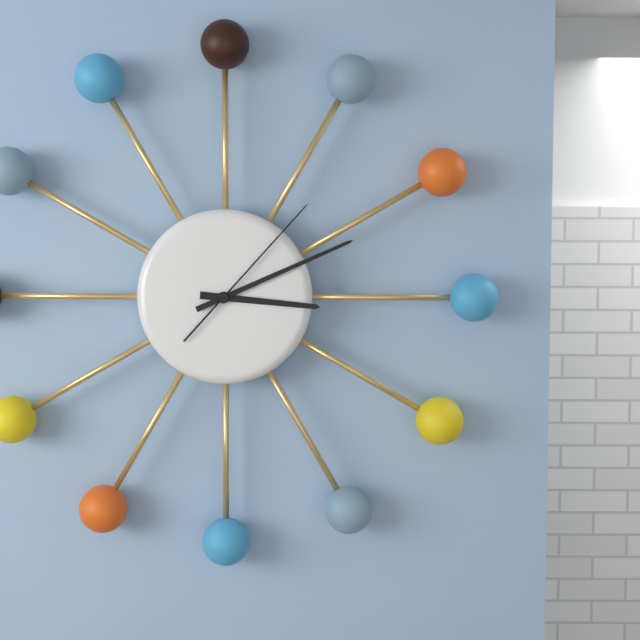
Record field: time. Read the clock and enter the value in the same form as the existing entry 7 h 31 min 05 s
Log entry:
3 h 11 min 07 s
